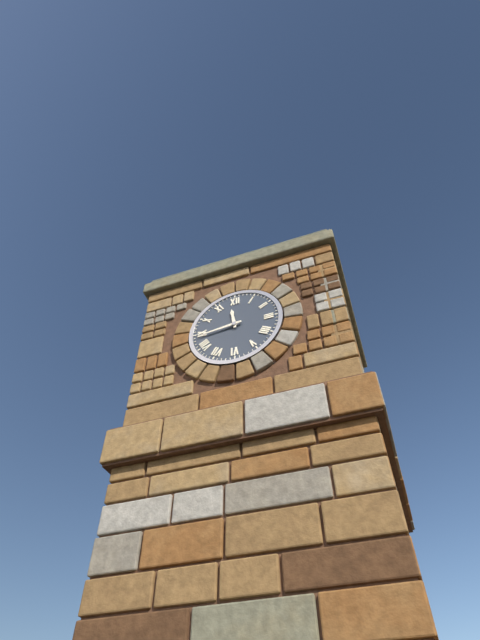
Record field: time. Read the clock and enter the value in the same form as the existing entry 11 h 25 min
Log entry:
11 h 44 min
